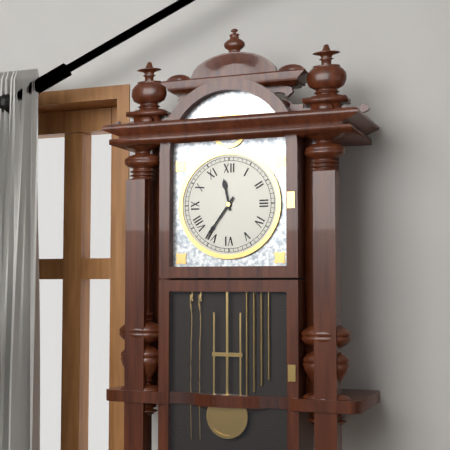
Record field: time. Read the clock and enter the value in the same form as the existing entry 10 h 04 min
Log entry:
11 h 36 min
